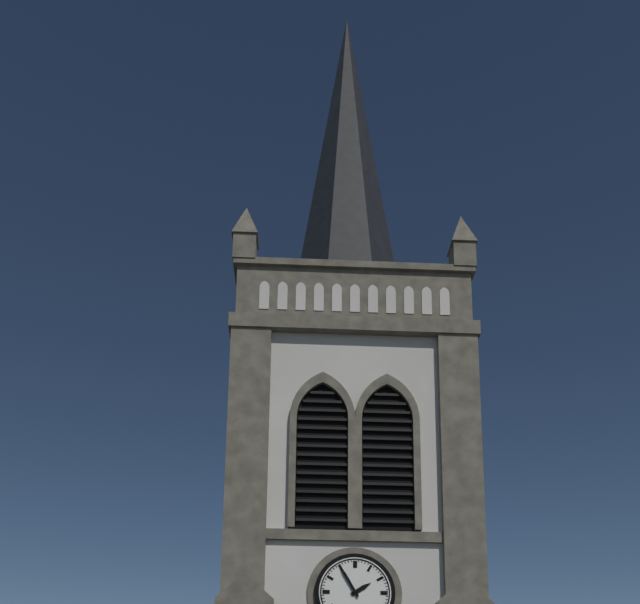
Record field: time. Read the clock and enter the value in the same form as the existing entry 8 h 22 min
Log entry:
1 h 55 min
